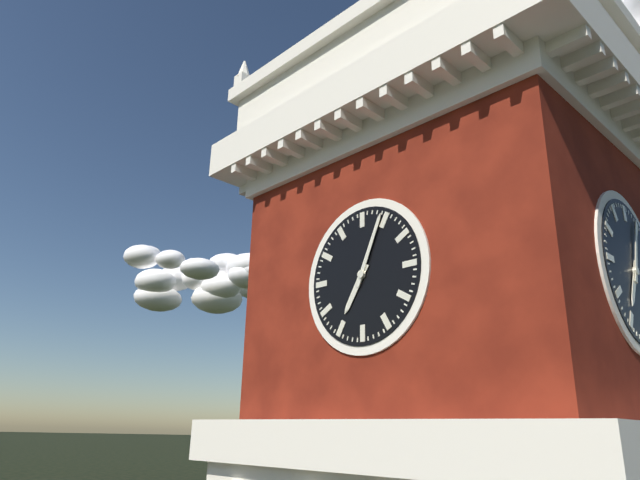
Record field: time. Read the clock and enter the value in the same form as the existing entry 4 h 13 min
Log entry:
7 h 04 min
